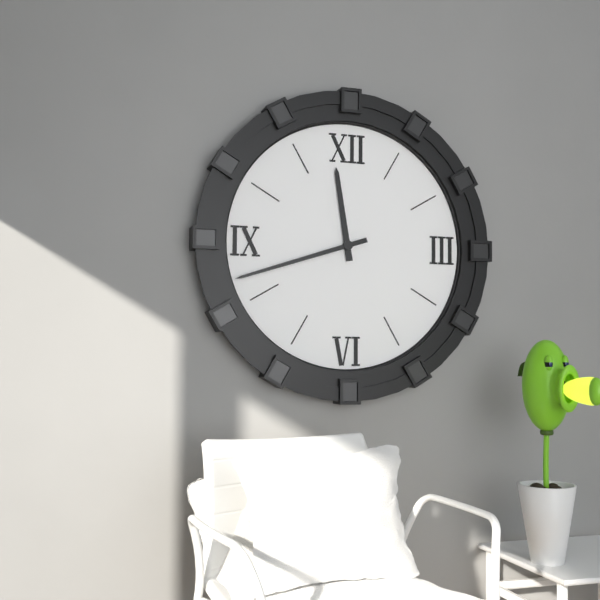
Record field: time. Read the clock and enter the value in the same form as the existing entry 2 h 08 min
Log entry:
11 h 42 min
